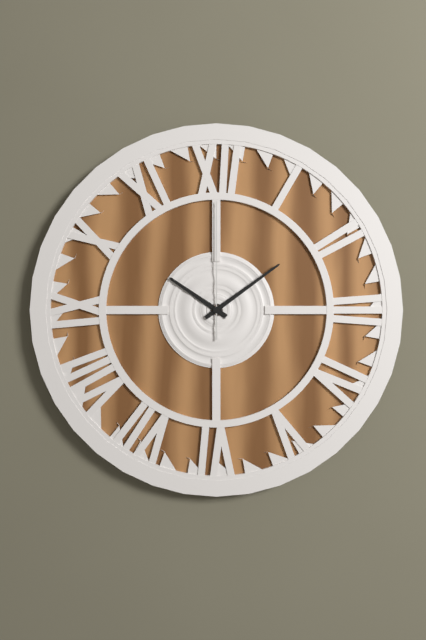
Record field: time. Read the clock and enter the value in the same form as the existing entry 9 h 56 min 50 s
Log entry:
10 h 09 min 00 s
